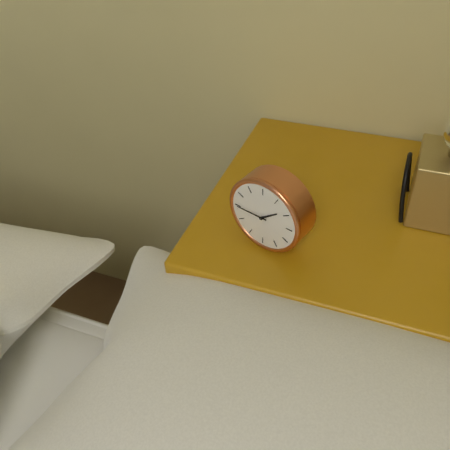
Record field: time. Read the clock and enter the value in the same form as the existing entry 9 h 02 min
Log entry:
1 h 45 min
